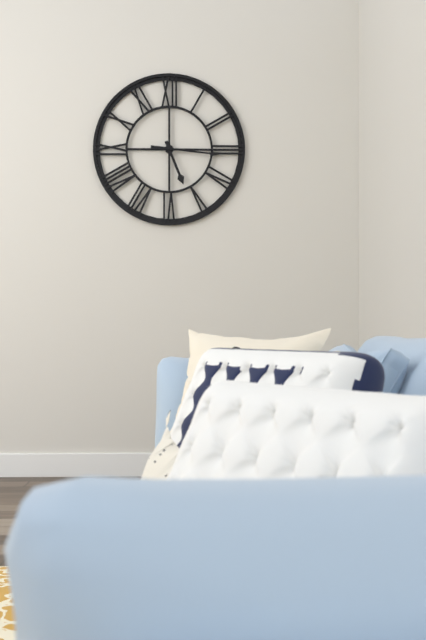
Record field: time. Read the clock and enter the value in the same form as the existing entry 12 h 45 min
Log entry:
5 h 16 min
